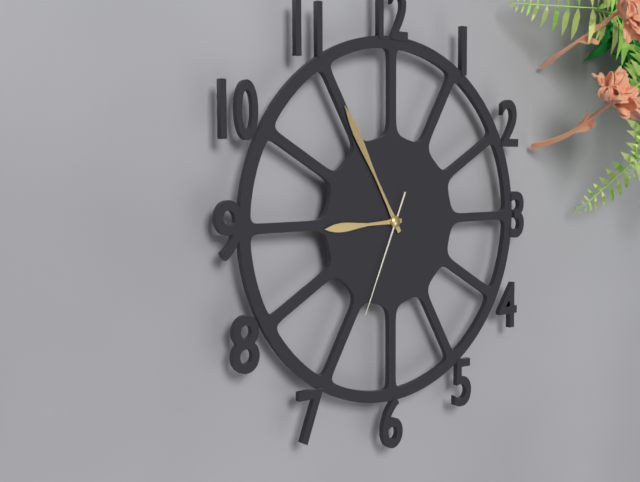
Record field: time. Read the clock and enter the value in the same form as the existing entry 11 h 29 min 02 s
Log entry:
8 h 55 min 34 s
